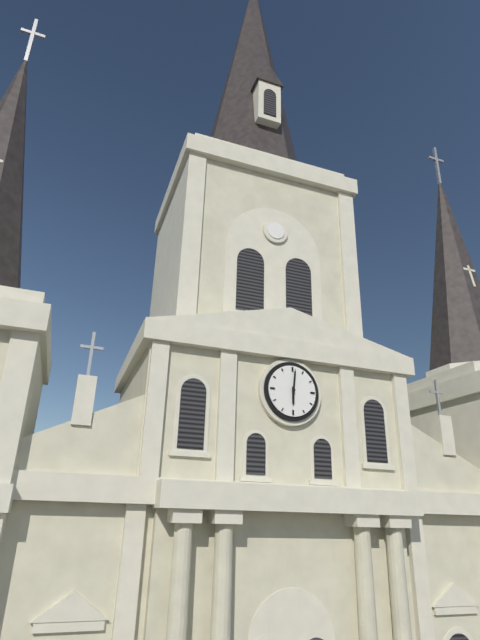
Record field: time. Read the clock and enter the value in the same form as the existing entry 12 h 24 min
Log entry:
6 h 01 min
